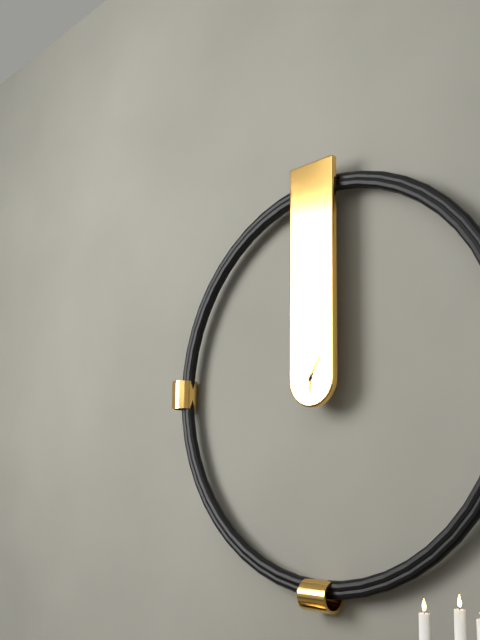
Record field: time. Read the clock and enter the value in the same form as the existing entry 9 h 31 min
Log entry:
6 h 05 min
